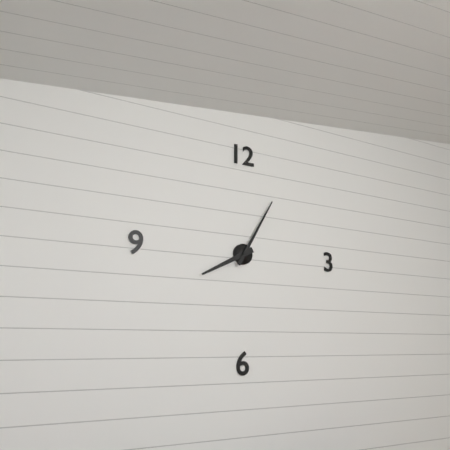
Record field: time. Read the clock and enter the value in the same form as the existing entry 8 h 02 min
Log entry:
8 h 05 min
